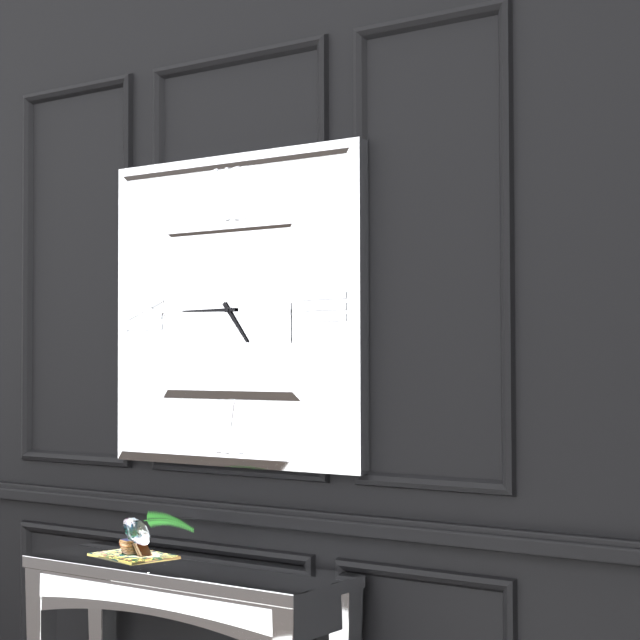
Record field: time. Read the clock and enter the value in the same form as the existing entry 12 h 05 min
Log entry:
4 h 45 min
